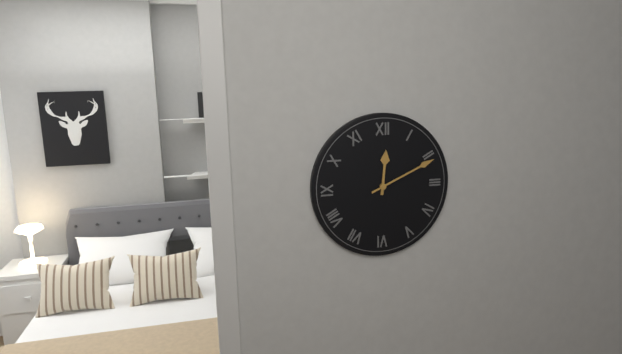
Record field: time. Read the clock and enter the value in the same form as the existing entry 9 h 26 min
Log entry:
12 h 11 min
